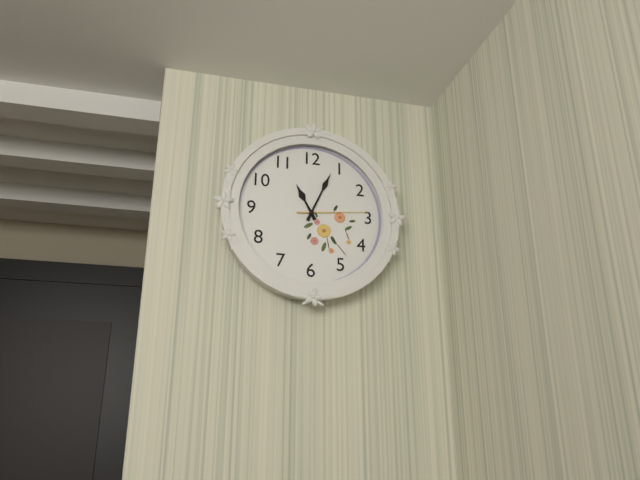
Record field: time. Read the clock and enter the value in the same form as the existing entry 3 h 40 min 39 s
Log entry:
11 h 04 min 14 s
